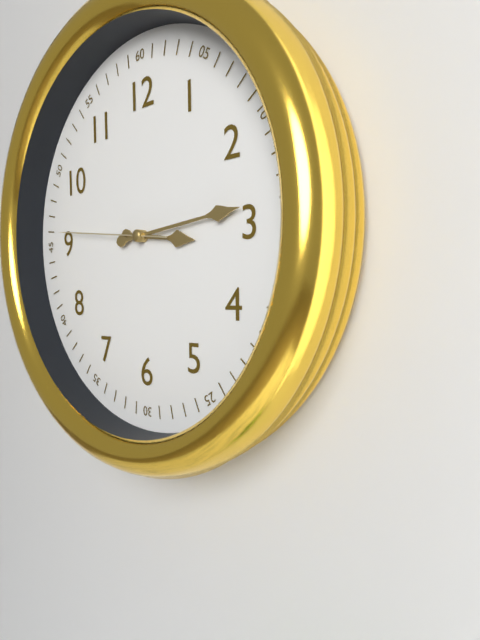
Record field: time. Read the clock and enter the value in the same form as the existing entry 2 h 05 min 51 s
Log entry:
3 h 14 min 46 s
